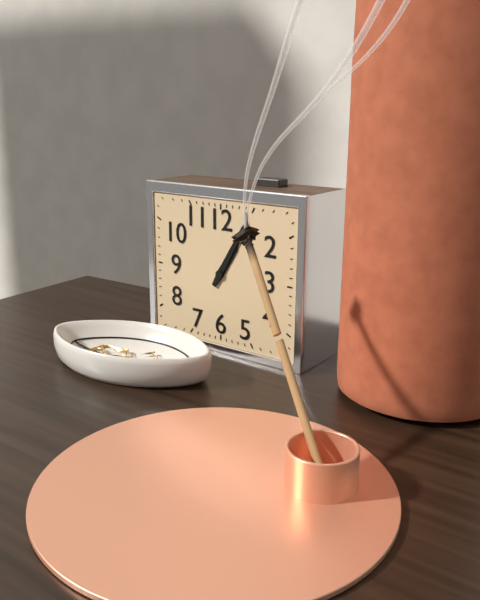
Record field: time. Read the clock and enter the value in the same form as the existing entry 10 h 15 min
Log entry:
1 h 05 min
